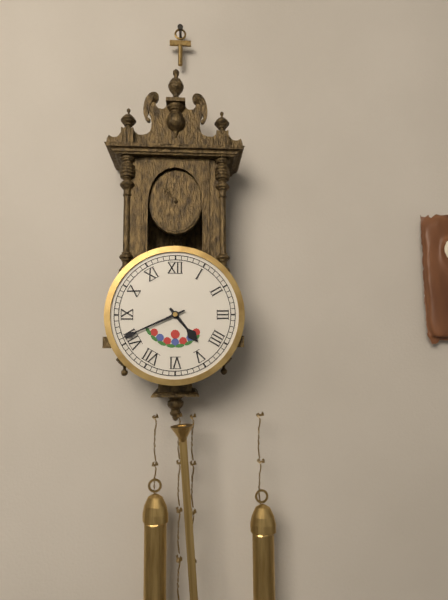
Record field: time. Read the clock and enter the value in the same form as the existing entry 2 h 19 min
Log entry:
4 h 41 min
